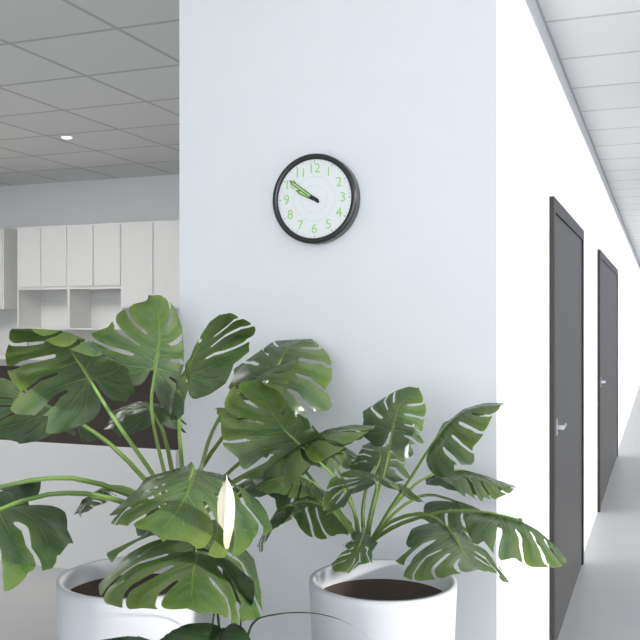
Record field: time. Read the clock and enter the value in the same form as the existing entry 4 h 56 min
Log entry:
9 h 51 min
